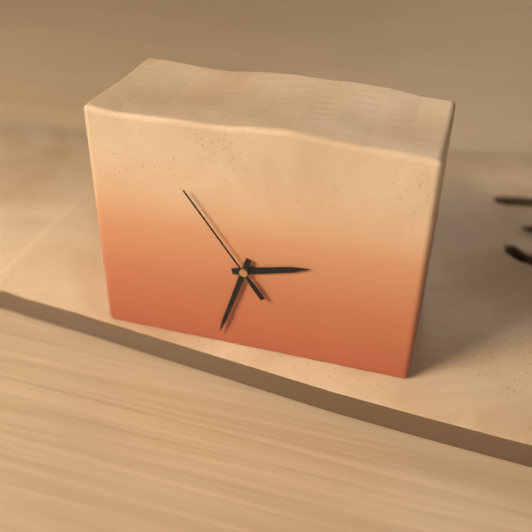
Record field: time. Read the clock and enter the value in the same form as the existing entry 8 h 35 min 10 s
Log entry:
2 h 33 min 54 s
